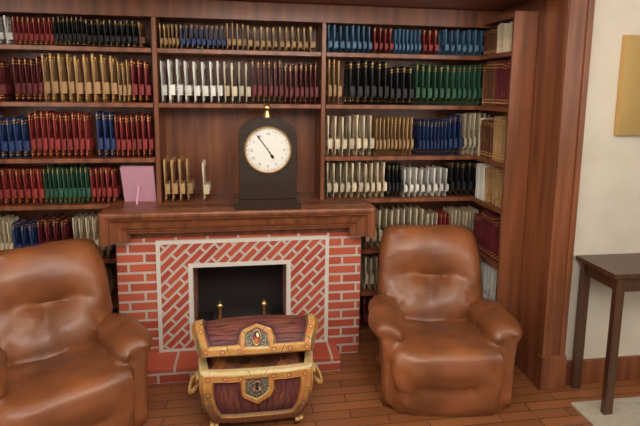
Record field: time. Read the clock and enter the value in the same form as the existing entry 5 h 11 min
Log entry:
4 h 54 min
